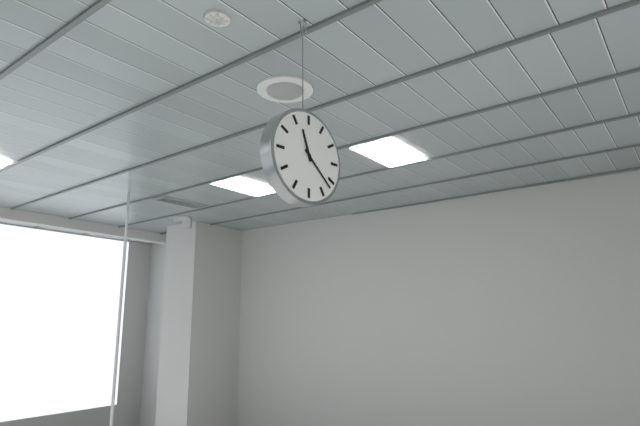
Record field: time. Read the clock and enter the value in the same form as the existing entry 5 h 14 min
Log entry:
11 h 22 min
